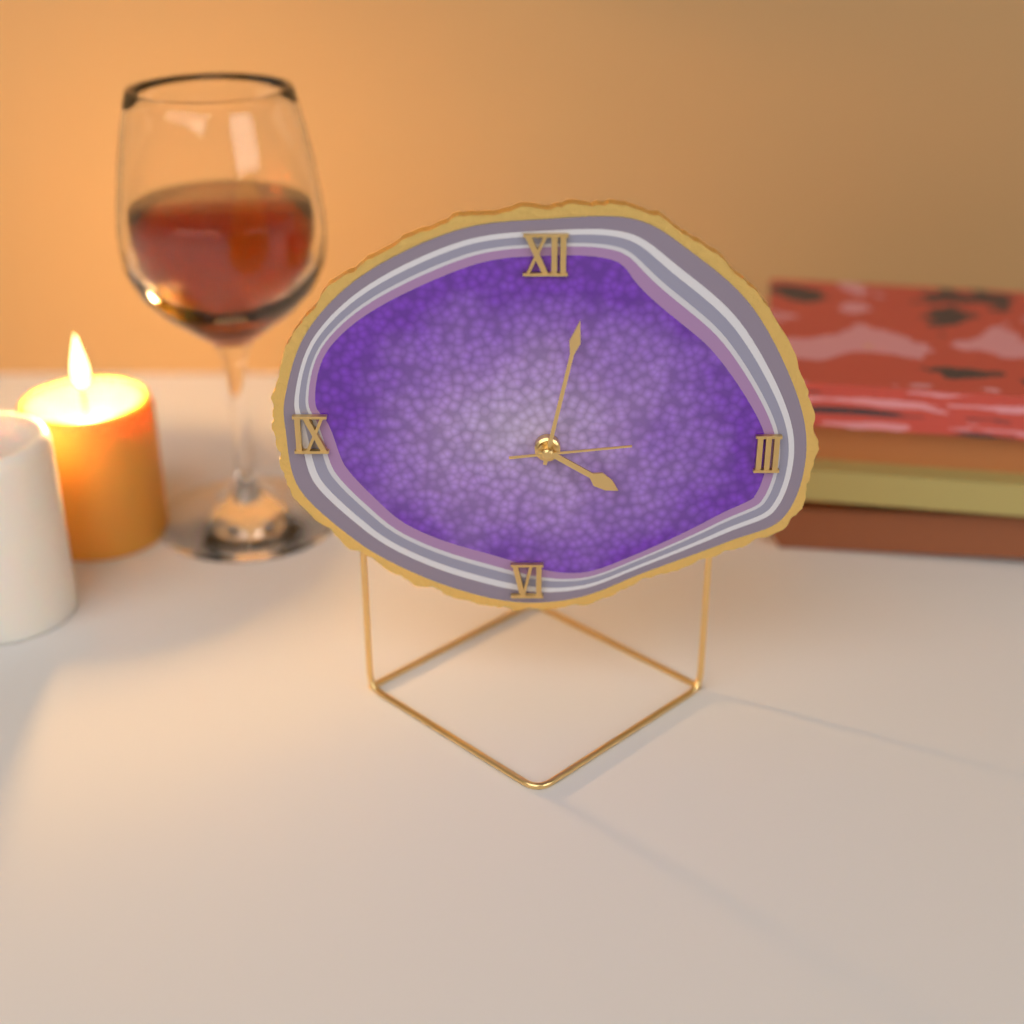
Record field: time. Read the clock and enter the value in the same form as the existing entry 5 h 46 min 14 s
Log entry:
4 h 02 min 14 s
